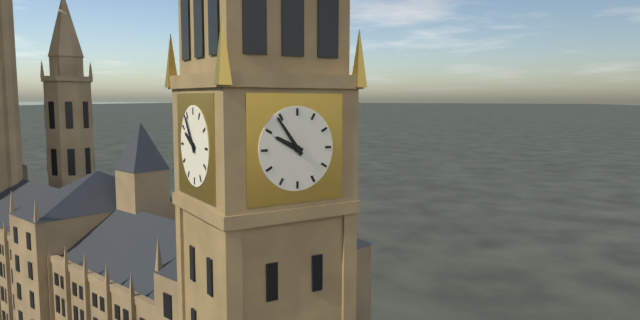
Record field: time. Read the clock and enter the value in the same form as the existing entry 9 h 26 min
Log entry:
9 h 54 min
